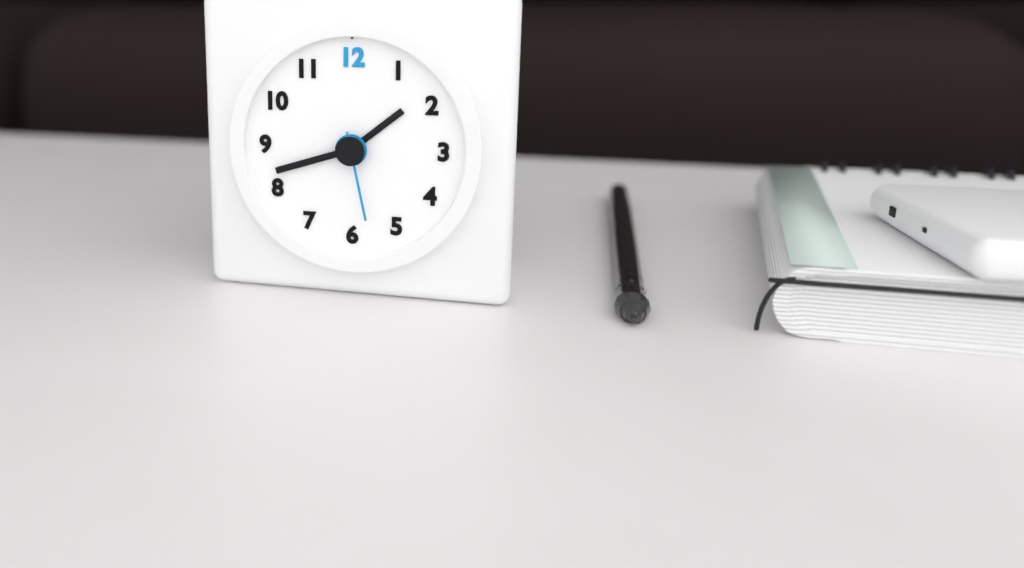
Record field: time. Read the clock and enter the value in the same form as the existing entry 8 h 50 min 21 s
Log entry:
1 h 42 min 28 s
